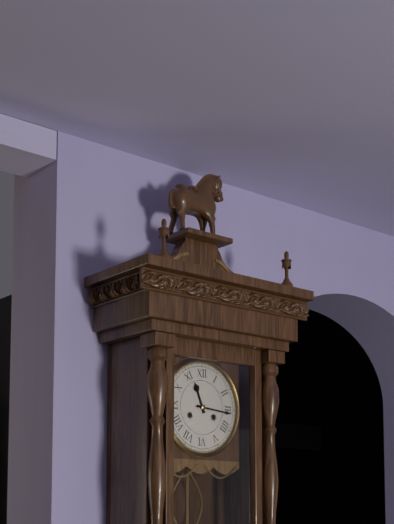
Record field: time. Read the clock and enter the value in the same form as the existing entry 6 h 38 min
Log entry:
11 h 16 min
